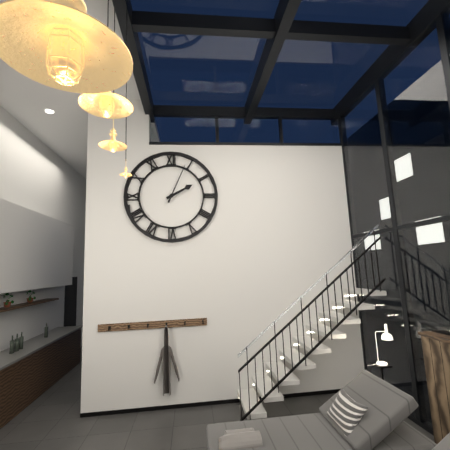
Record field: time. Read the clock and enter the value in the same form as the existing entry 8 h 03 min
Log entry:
2 h 04 min
